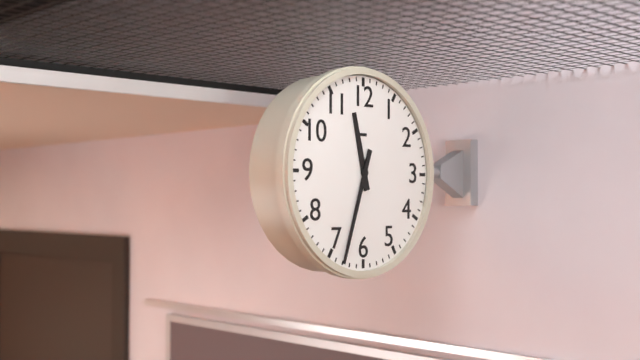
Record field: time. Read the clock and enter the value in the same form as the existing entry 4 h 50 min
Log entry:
11 h 33 min
